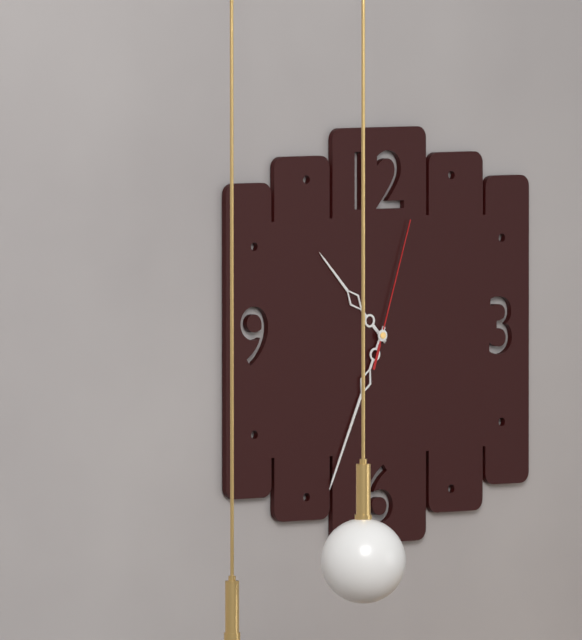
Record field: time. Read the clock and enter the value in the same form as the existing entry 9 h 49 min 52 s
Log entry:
10 h 34 min 03 s
